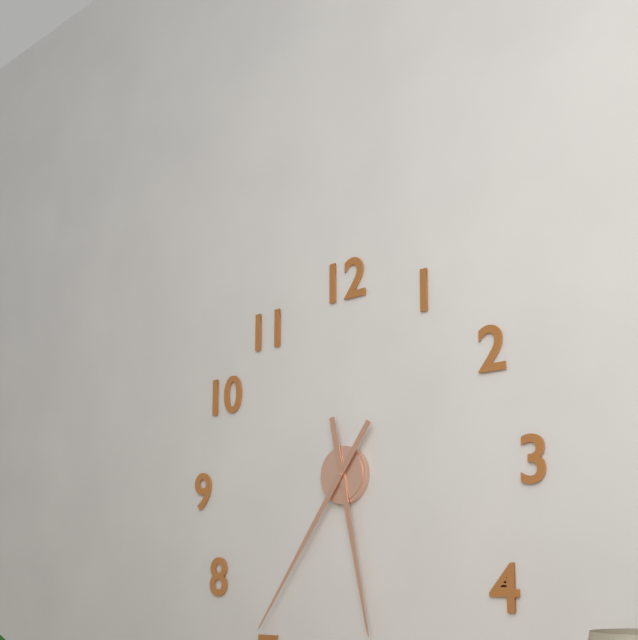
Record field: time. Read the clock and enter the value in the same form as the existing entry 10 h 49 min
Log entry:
5 h 36 min
